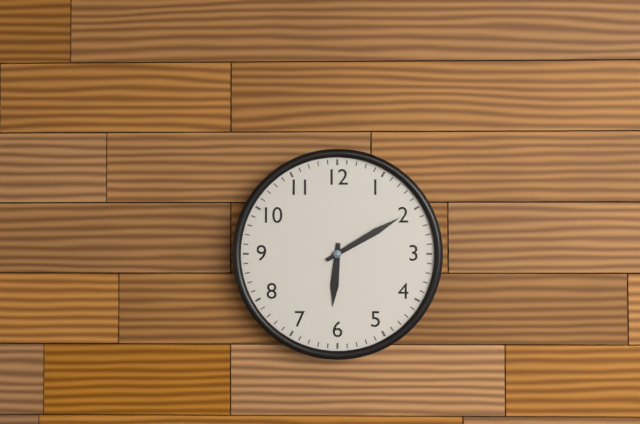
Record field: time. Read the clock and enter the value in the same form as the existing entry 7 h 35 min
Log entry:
6 h 10 min
